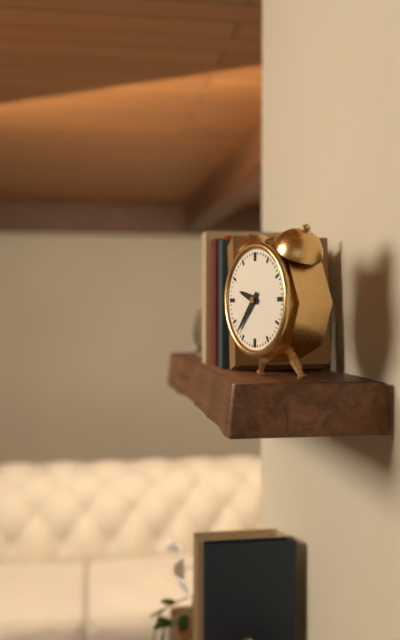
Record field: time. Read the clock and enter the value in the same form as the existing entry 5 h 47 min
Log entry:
9 h 37 min
